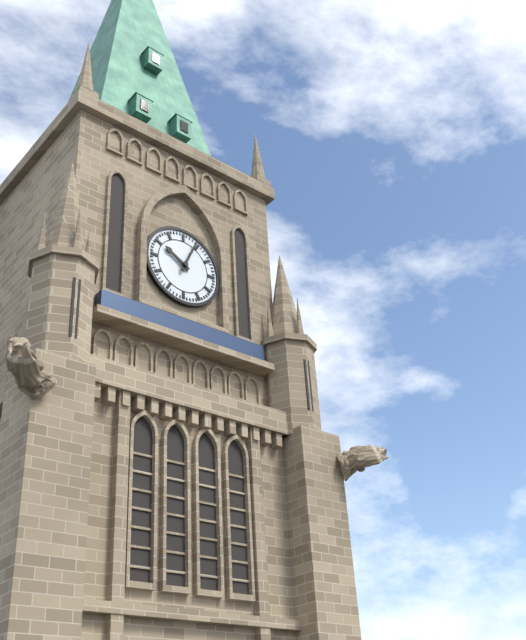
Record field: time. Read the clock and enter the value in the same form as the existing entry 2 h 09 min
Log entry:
10 h 04 min
